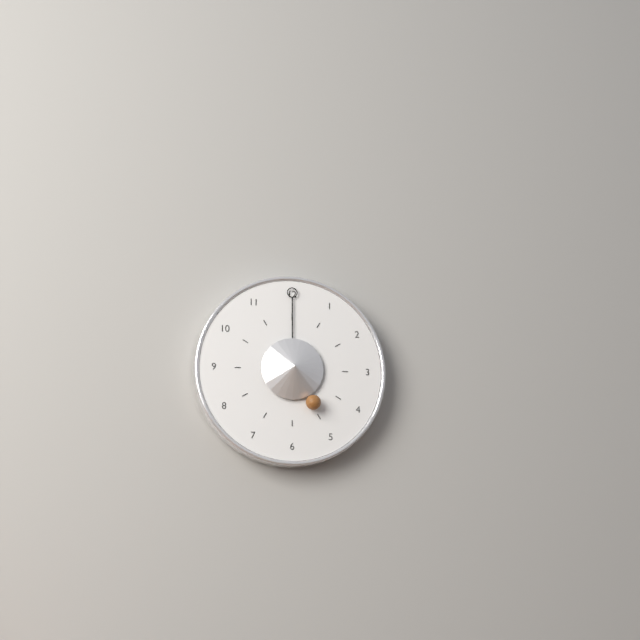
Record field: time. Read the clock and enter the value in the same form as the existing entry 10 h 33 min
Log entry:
5 h 00 min
